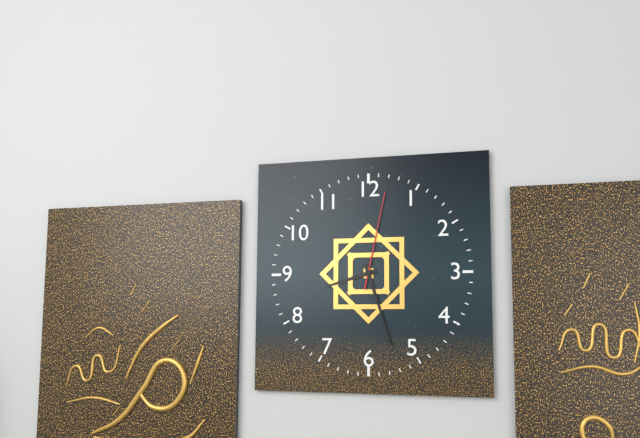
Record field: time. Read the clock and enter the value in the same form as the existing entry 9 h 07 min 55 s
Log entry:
8 h 27 min 02 s
